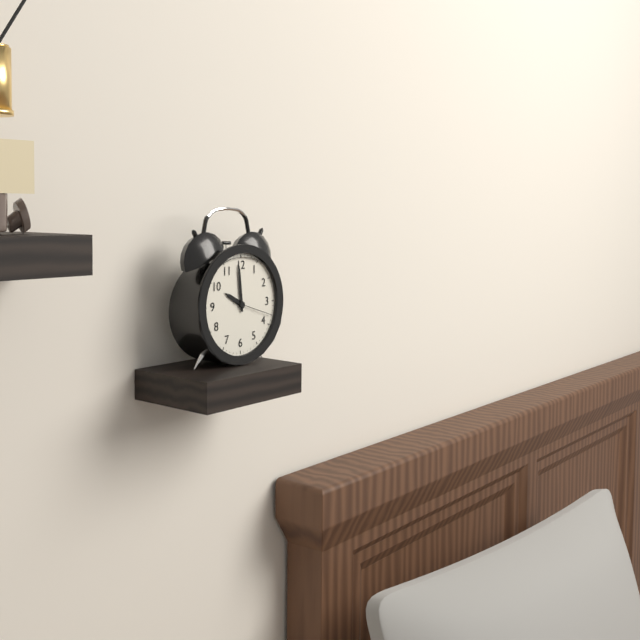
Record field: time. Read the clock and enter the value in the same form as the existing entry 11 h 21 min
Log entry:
9 h 59 min
